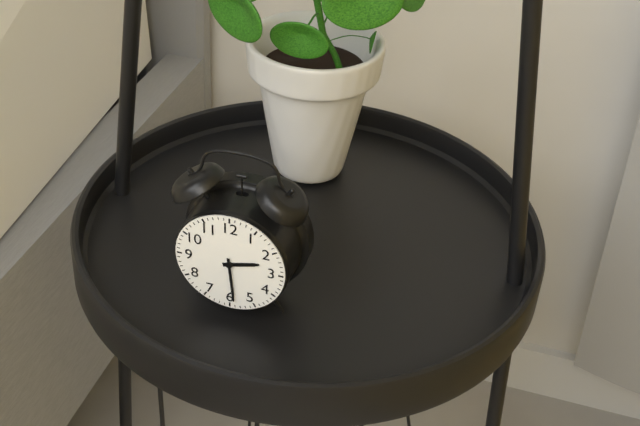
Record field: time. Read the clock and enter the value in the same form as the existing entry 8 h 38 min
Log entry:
2 h 29 min
